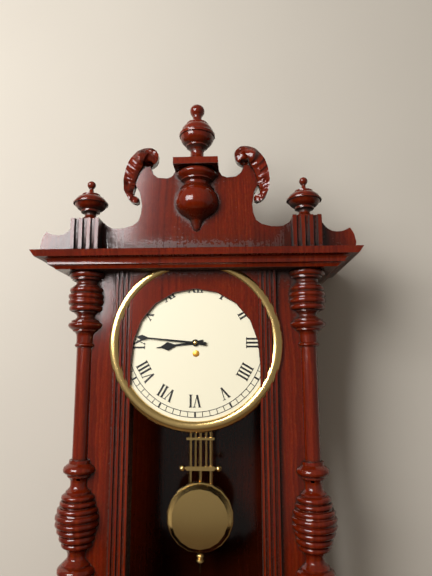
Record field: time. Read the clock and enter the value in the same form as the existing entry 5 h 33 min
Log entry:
8 h 46 min
